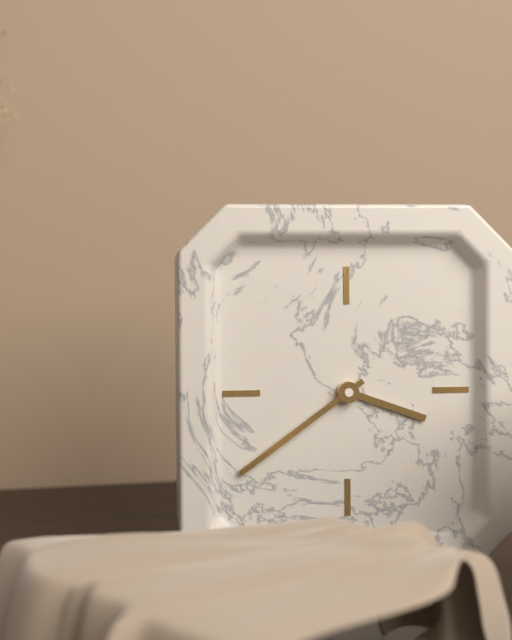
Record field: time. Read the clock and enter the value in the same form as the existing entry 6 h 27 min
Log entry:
3 h 39 min
